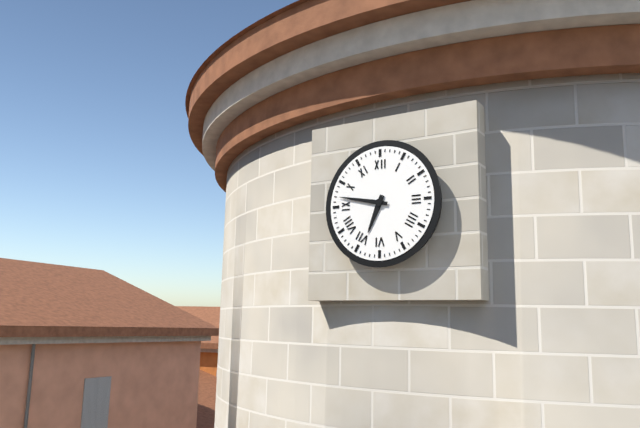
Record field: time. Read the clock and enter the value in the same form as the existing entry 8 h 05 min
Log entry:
6 h 47 min
